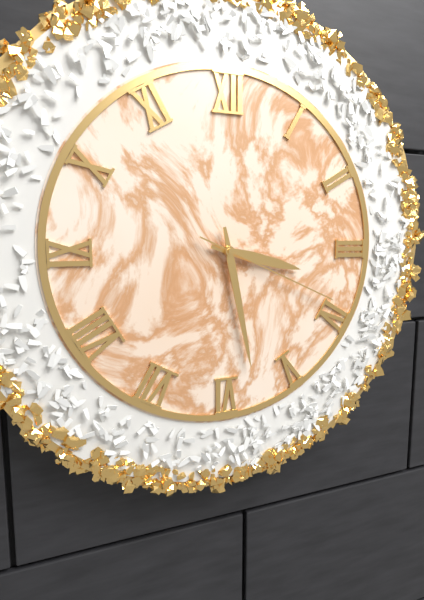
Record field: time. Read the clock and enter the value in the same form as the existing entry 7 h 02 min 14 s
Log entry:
3 h 28 min 19 s
